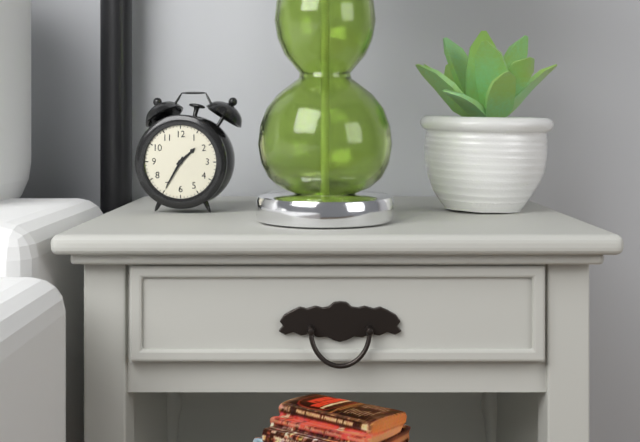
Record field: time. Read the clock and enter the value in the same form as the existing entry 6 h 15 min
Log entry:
1 h 35 min
